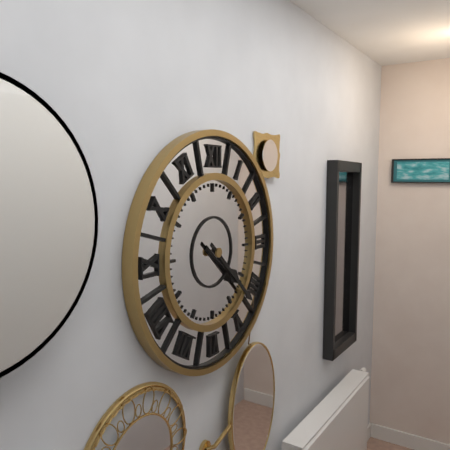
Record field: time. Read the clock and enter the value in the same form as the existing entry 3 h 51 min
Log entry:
4 h 22 min
